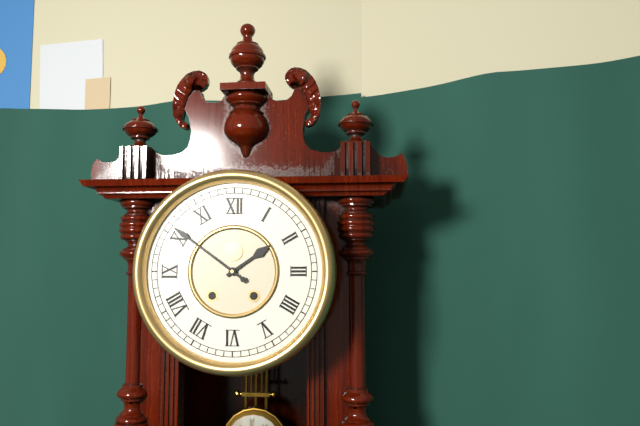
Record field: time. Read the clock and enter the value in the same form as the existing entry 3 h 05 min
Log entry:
1 h 51 min
